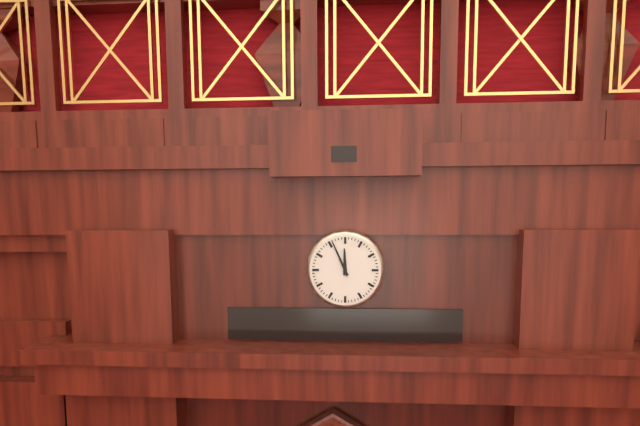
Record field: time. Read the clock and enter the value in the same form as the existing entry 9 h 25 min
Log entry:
11 h 56 min
